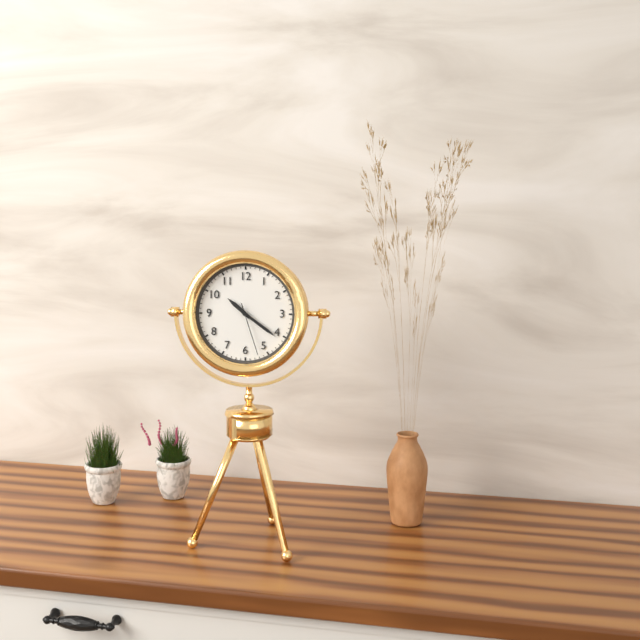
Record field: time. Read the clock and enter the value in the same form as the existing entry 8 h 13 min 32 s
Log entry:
10 h 21 min 27 s
